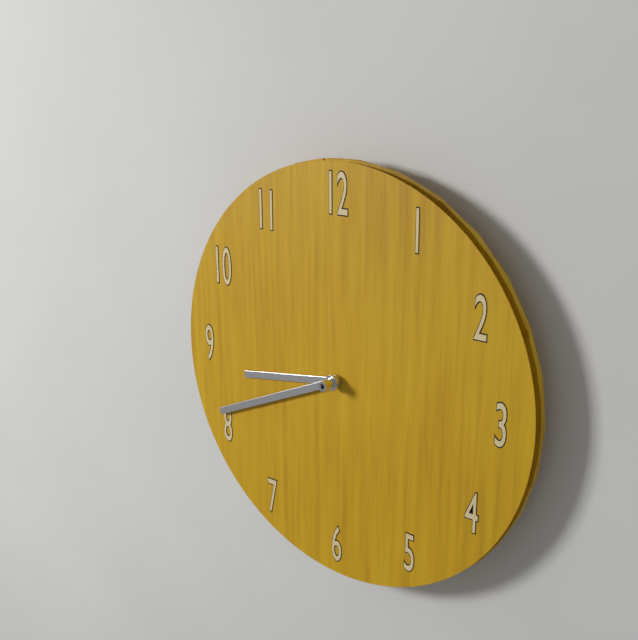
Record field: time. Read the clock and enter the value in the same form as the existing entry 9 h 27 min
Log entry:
8 h 41 min
